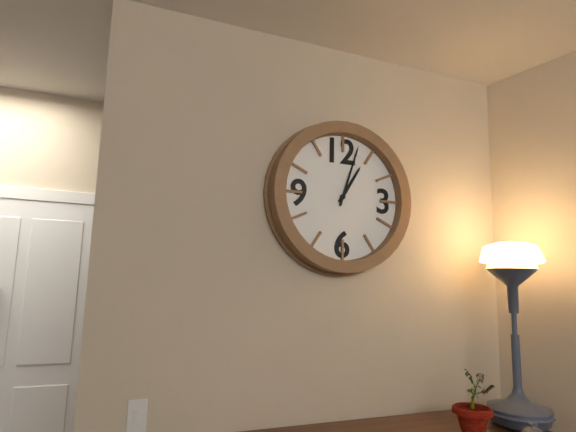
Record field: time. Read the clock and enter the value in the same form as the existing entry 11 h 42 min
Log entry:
1 h 03 min
